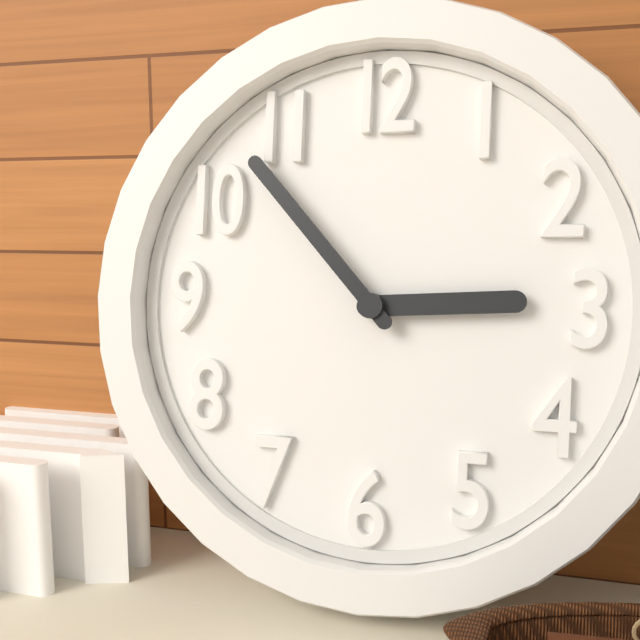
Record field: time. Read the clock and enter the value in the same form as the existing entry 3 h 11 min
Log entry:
2 h 53 min
